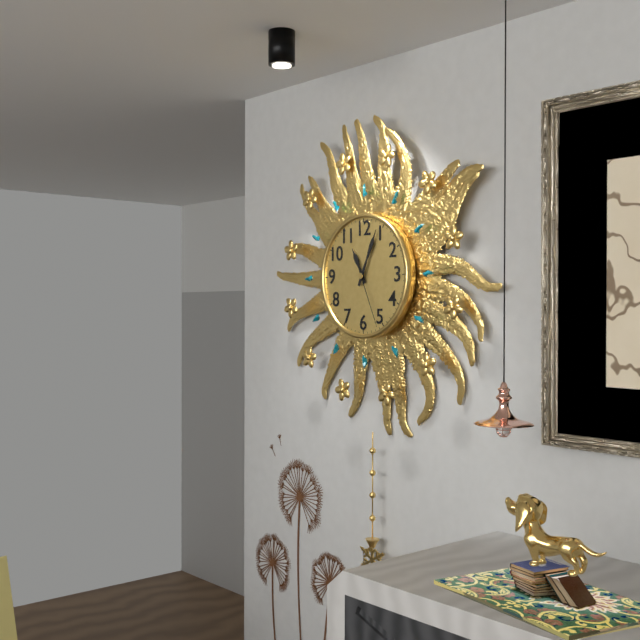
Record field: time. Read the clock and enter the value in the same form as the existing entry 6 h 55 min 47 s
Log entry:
11 h 04 min 26 s
